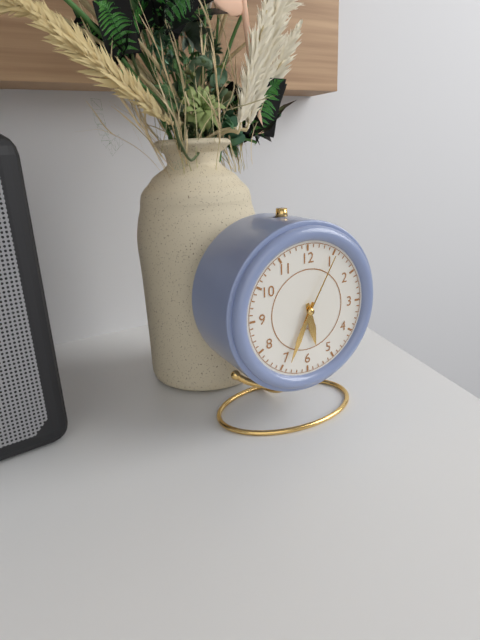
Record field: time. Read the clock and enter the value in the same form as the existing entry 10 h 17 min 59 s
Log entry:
5 h 34 min 05 s
